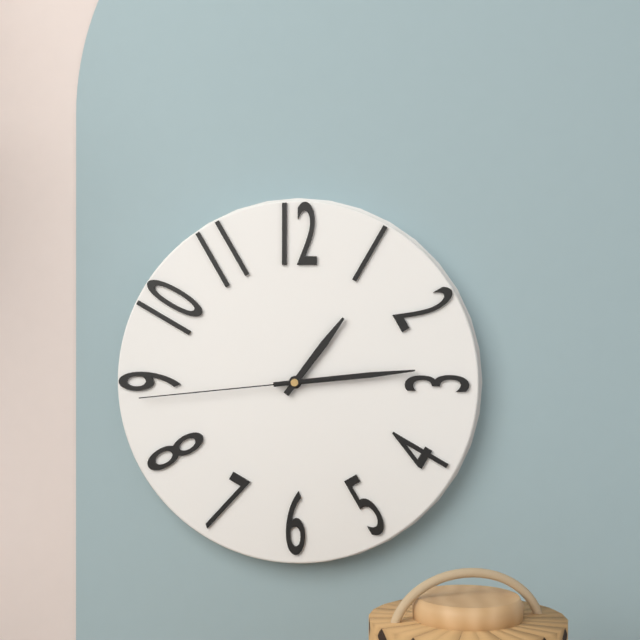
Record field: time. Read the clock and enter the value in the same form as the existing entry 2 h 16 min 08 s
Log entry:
1 h 14 min 44 s
